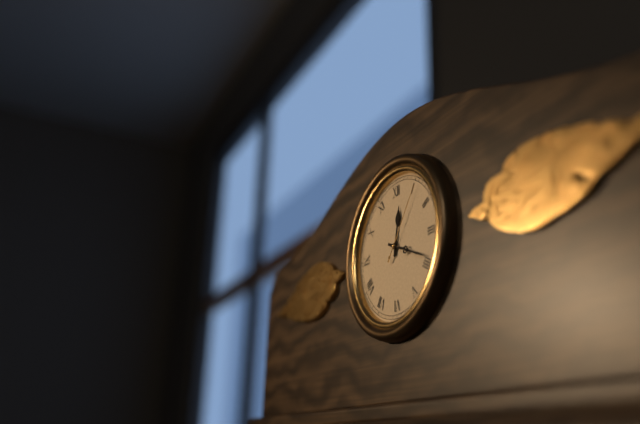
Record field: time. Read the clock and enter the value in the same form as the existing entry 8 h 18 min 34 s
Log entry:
12 h 19 min 06 s
